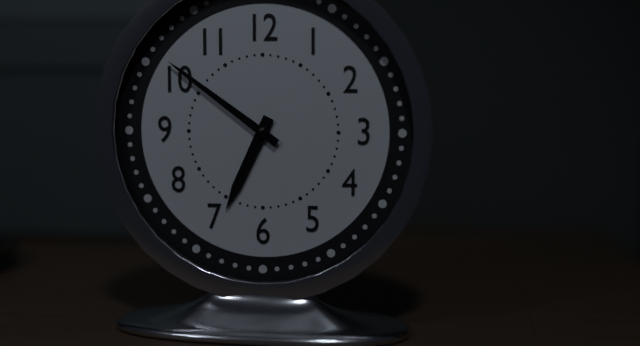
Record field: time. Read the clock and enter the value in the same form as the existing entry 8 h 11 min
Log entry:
6 h 51 min
